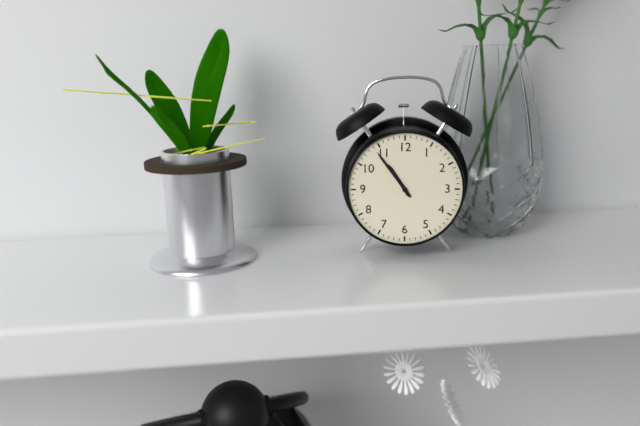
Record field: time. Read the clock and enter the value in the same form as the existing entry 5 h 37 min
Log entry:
10 h 54 min
